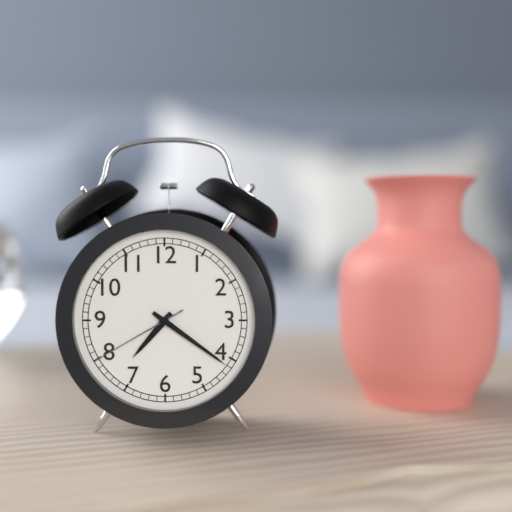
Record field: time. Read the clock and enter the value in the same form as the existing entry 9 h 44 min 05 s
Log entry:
7 h 21 min 40 s
